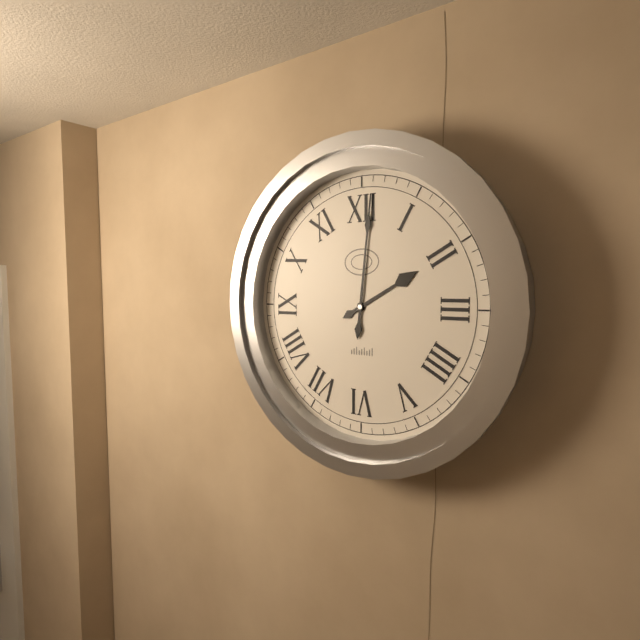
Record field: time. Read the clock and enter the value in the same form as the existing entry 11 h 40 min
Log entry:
2 h 01 min
